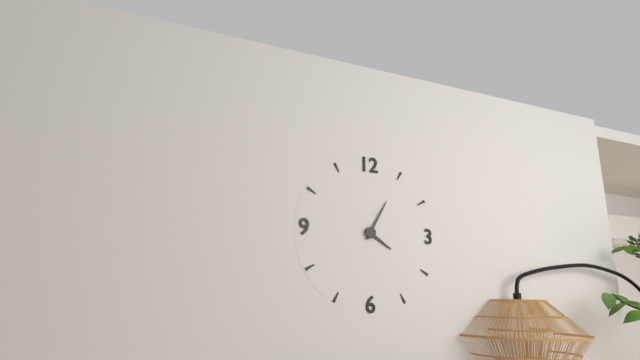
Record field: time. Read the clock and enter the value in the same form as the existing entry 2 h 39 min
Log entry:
4 h 05 min
